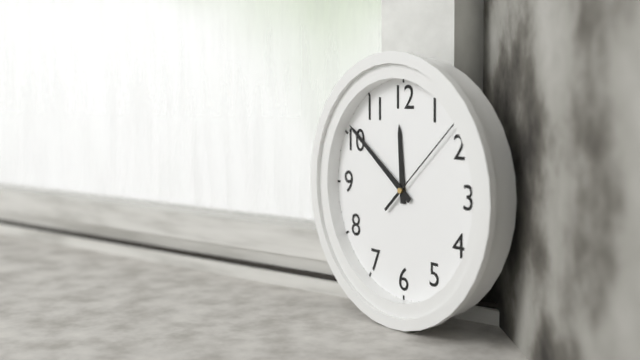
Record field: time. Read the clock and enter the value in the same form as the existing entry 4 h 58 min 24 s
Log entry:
11 h 51 min 08 s
